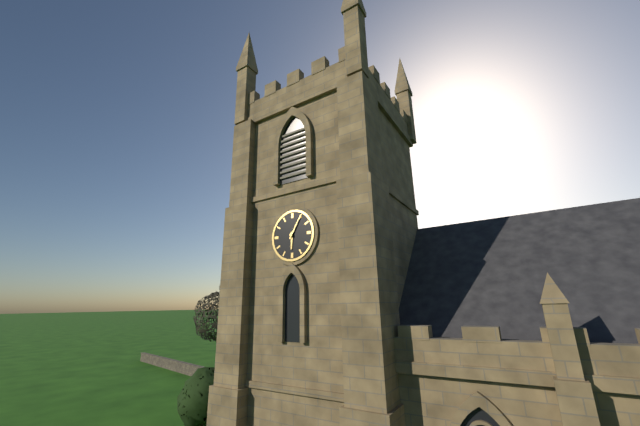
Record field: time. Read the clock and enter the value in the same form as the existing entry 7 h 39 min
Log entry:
6 h 05 min
